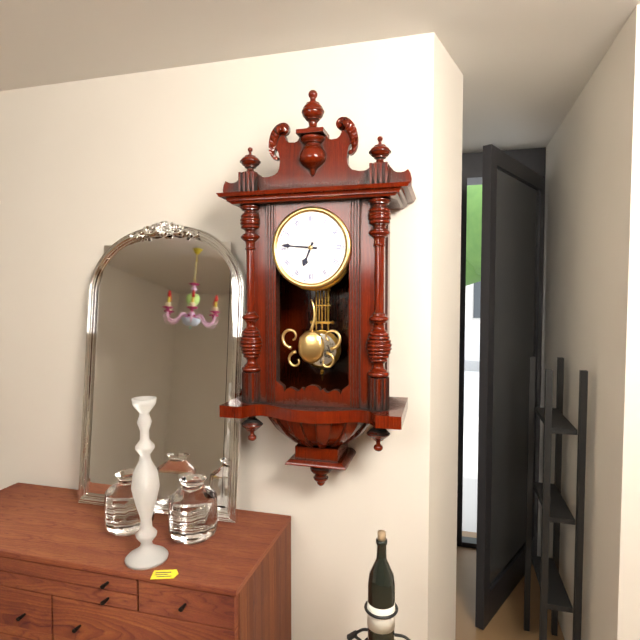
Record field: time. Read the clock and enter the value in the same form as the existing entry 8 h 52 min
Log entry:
6 h 46 min
